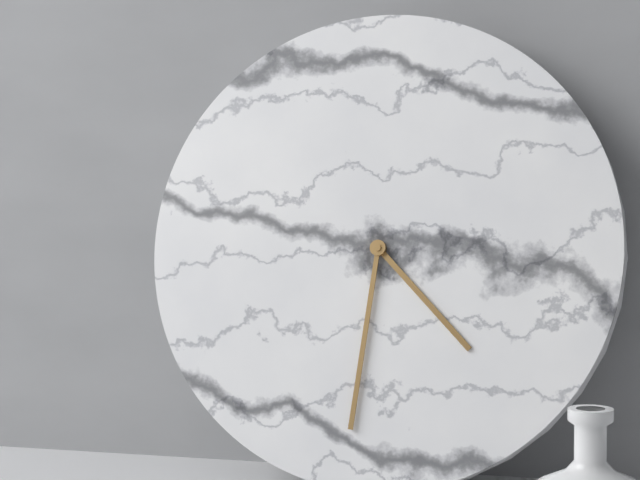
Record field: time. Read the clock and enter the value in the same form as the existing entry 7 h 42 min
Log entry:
4 h 31 min
